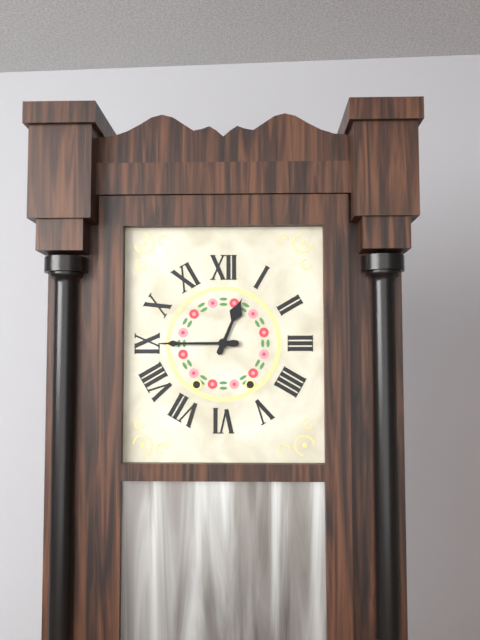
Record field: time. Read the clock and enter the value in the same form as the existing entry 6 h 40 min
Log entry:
12 h 45 min
